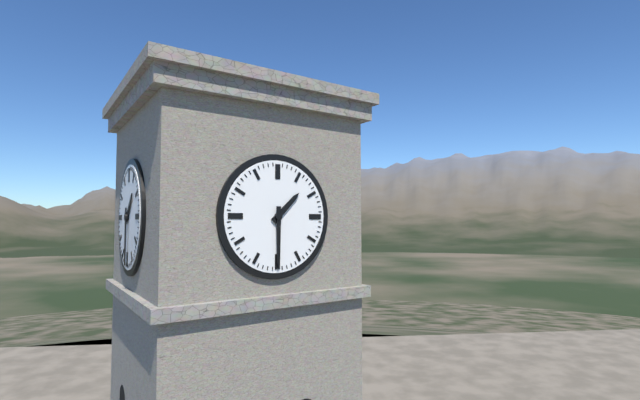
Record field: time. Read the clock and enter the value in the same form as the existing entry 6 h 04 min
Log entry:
1 h 30 min
